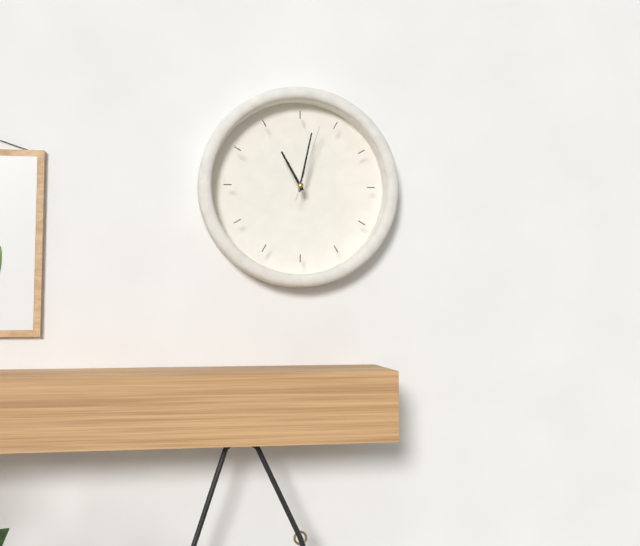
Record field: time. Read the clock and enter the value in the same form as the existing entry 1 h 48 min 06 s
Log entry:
11 h 02 min 03 s
